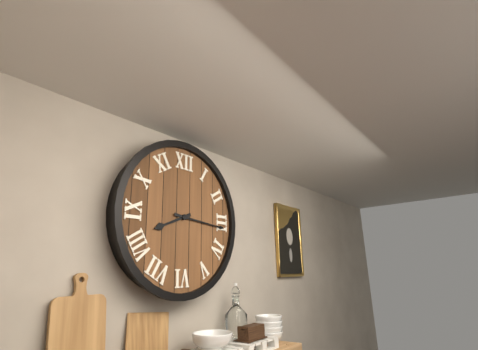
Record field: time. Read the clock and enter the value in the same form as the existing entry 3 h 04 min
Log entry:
8 h 16 min
